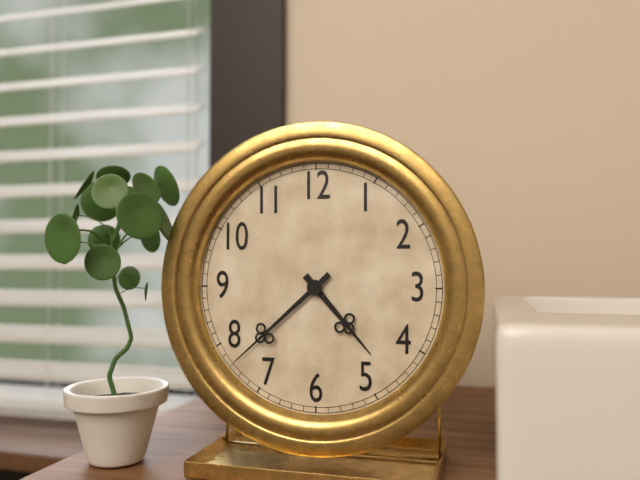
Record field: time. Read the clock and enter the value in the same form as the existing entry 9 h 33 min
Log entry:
4 h 38 min
